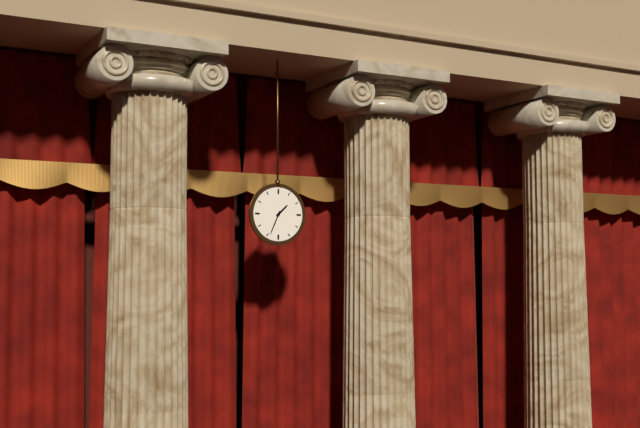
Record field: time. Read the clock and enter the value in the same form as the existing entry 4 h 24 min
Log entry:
1 h 34 min
